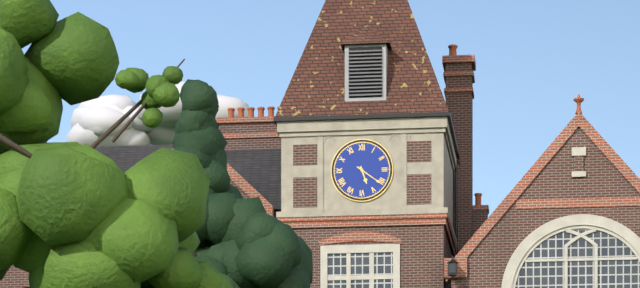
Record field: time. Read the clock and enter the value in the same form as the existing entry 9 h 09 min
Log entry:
5 h 21 min
